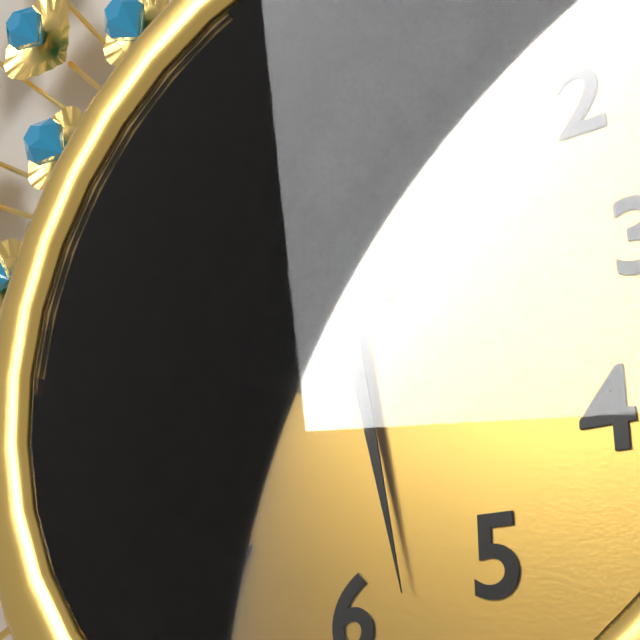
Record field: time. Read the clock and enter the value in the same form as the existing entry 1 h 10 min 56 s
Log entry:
8 h 28 min 06 s
